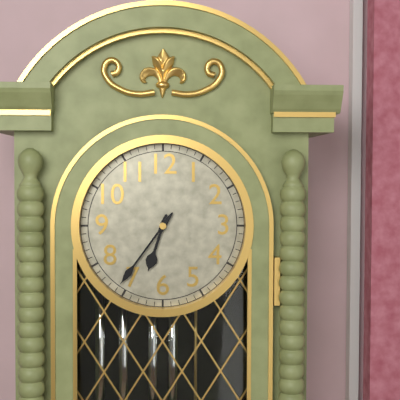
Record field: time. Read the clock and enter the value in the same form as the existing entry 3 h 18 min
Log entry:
6 h 36 min
